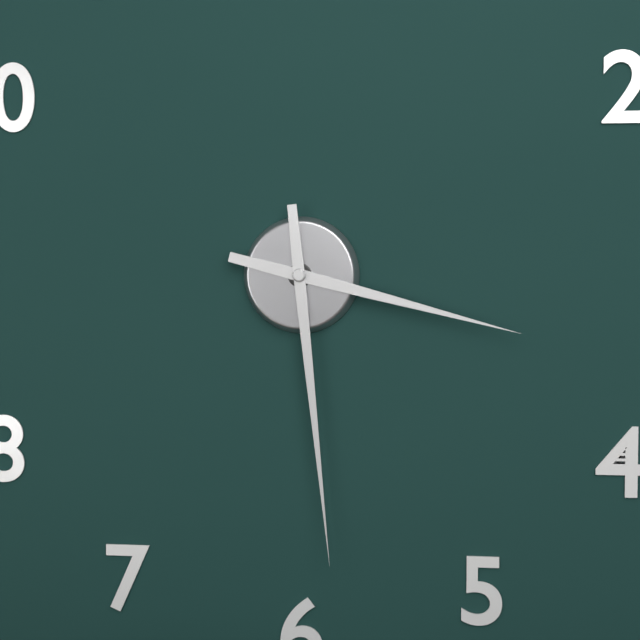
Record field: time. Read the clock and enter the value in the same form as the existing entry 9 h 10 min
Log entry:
3 h 29 min
